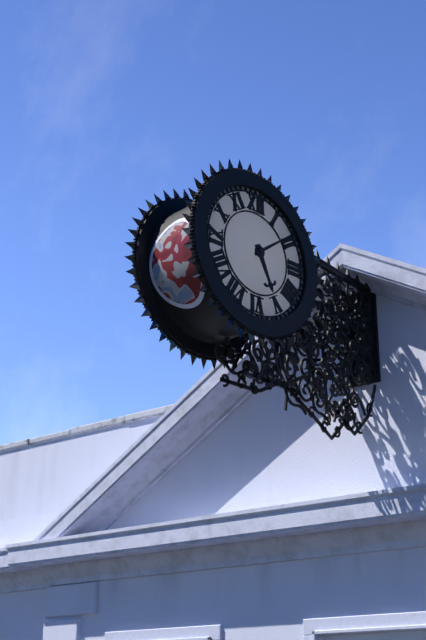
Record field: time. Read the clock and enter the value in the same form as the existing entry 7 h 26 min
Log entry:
5 h 09 min
